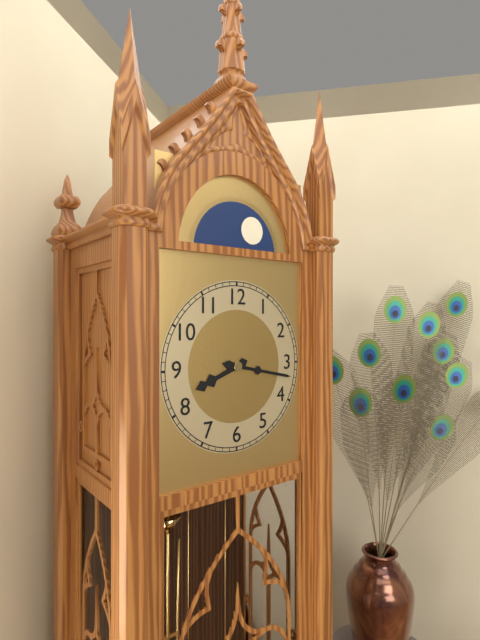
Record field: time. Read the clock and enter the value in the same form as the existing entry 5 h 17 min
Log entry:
8 h 17 min
